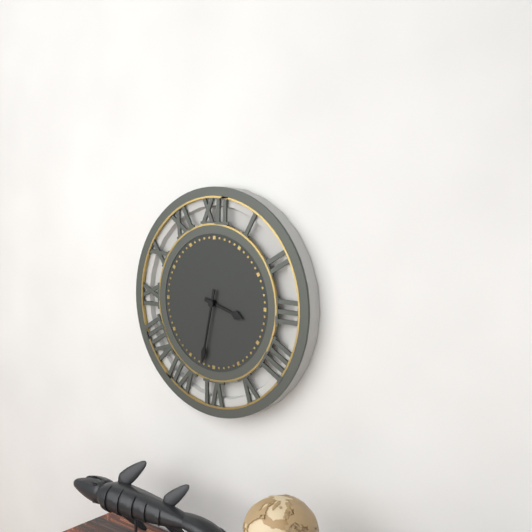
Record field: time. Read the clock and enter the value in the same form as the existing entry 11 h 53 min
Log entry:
3 h 32 min
